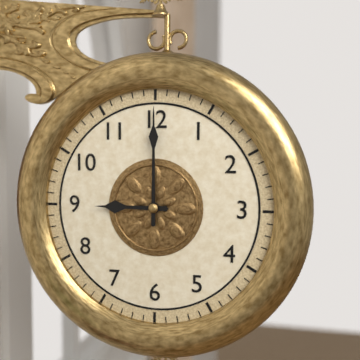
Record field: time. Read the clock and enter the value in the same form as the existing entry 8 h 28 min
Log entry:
9 h 00 min
